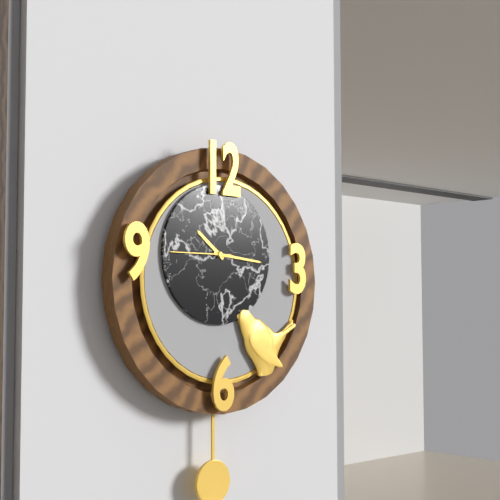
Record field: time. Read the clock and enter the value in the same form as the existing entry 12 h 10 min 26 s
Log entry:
10 h 16 min 45 s
